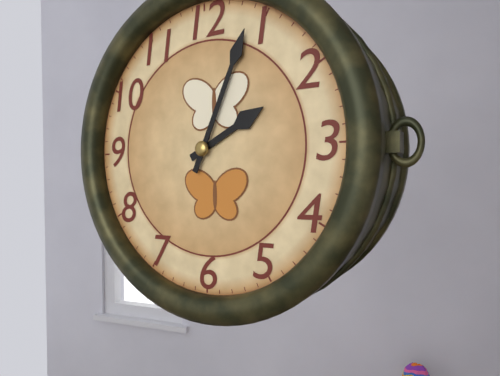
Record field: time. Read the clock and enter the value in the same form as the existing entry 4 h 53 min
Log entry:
2 h 04 min
